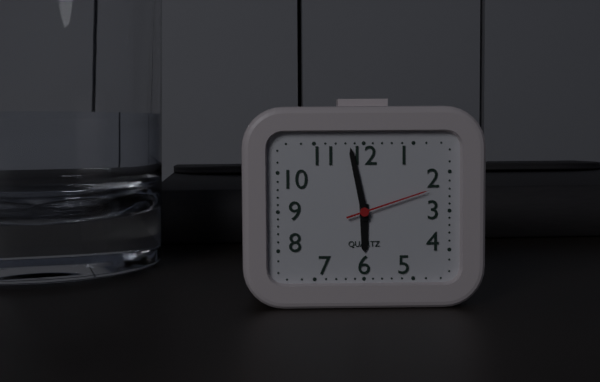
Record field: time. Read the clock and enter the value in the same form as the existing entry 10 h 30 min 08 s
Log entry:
5 h 58 min 12 s
